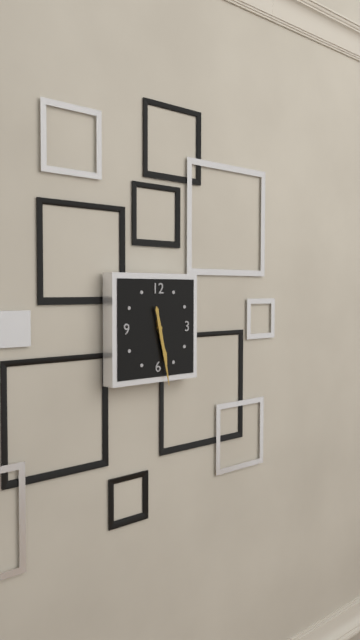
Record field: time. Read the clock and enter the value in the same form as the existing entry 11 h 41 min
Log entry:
5 h 28 min
